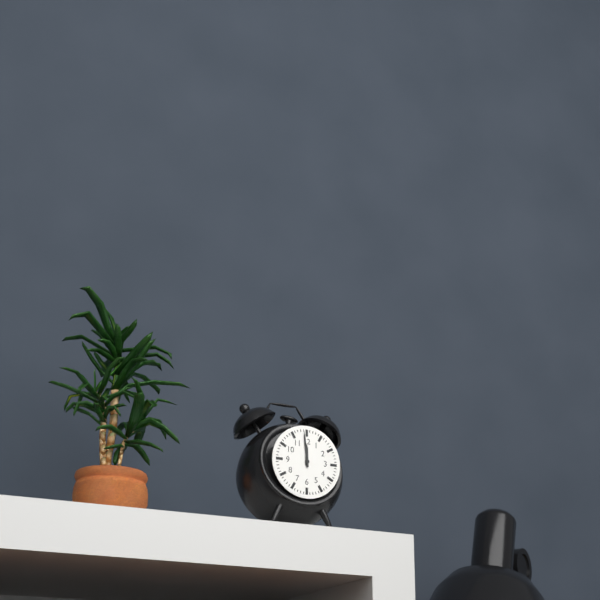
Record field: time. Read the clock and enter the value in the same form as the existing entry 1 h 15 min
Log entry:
11 h 59 min
